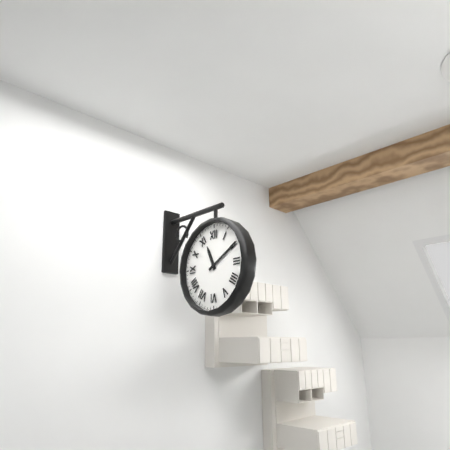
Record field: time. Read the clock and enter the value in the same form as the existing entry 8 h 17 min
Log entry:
11 h 10 min
